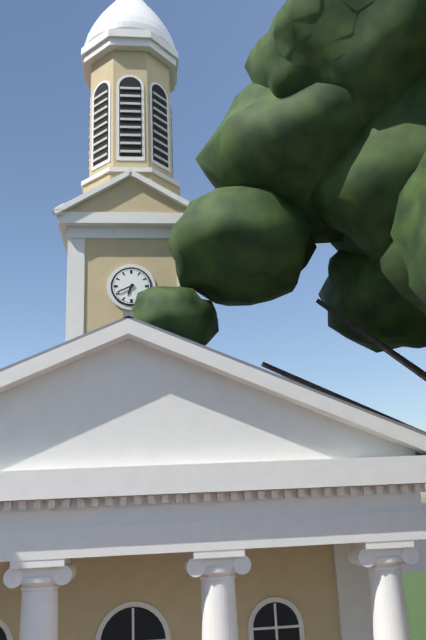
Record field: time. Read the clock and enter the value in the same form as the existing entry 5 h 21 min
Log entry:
6 h 41 min
